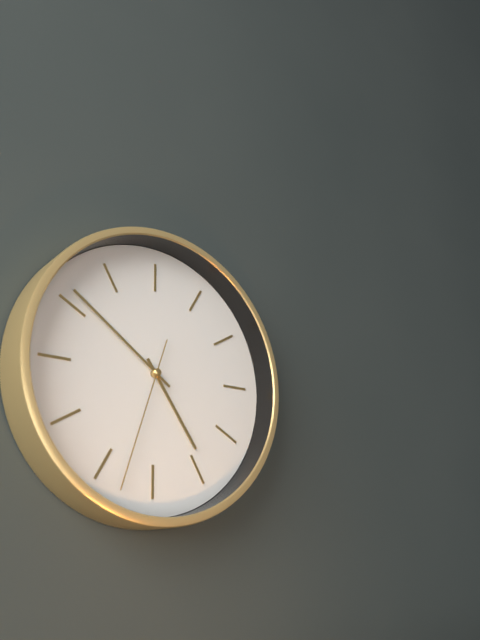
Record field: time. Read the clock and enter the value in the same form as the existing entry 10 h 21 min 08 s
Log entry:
4 h 51 min 33 s
